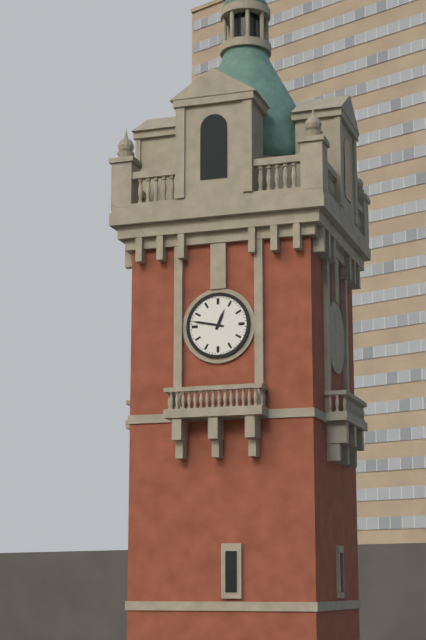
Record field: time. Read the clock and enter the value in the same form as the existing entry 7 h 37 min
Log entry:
12 h 47 min
